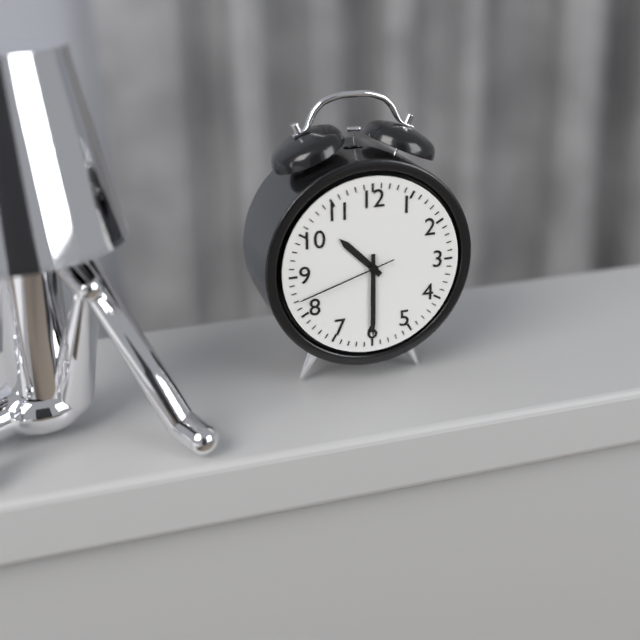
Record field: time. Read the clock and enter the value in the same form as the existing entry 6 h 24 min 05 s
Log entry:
10 h 30 min 42 s
